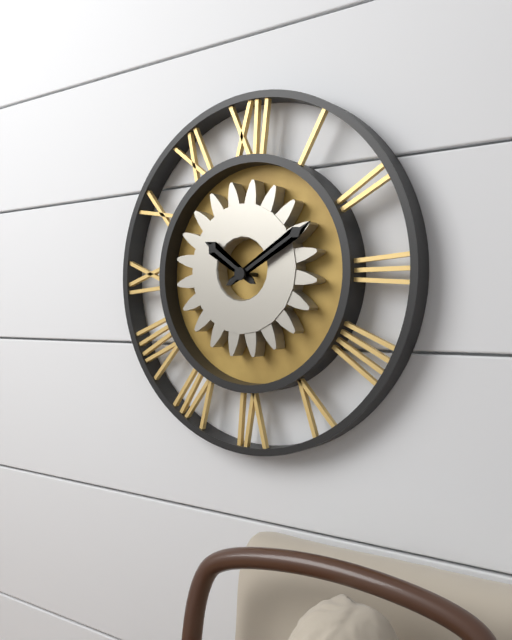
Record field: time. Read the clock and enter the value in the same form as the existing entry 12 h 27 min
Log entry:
10 h 10 min
